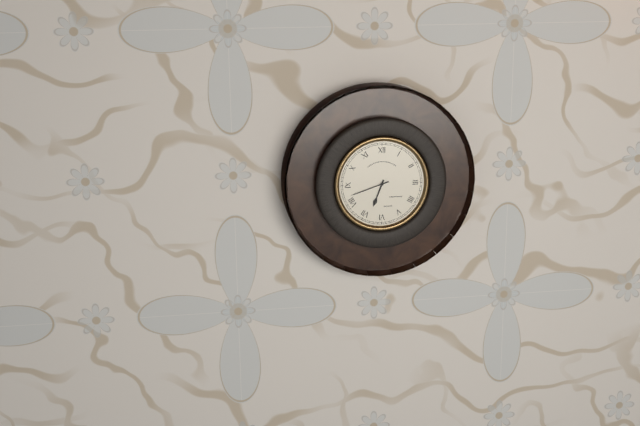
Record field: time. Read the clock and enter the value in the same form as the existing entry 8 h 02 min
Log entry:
6 h 42 min
